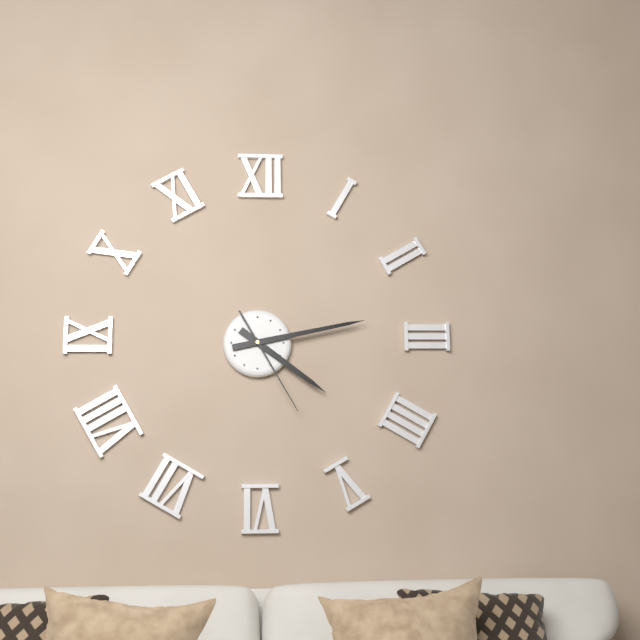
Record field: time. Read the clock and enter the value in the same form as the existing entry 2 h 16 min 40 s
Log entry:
4 h 13 min 25 s
